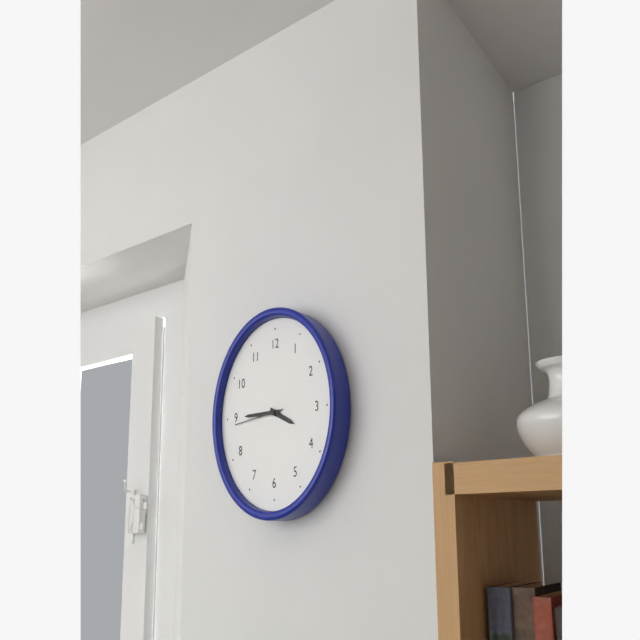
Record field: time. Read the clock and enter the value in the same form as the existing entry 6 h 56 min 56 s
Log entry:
3 h 45 min 44 s
